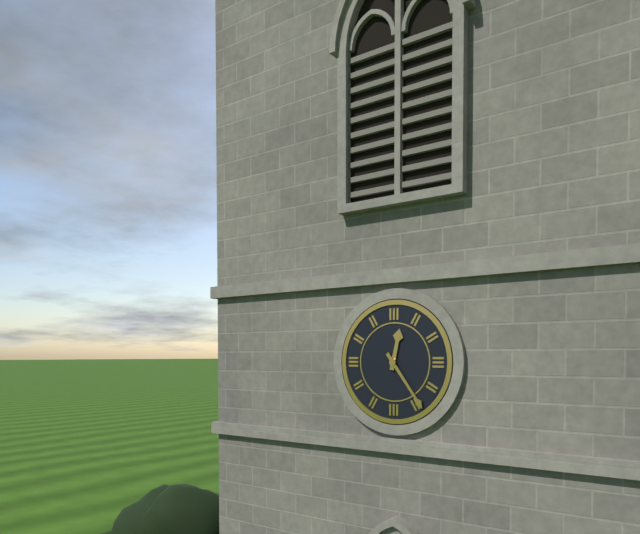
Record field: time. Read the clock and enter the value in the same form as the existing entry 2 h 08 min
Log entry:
12 h 24 min
